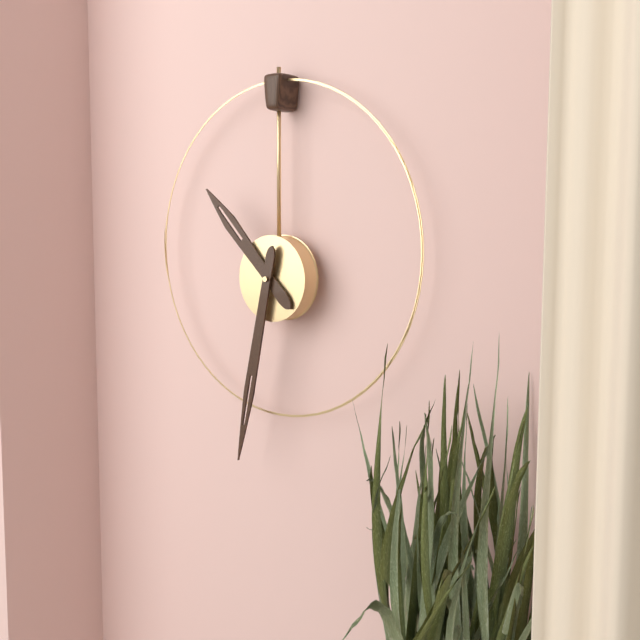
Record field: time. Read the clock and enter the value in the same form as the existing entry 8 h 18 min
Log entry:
10 h 32 min
